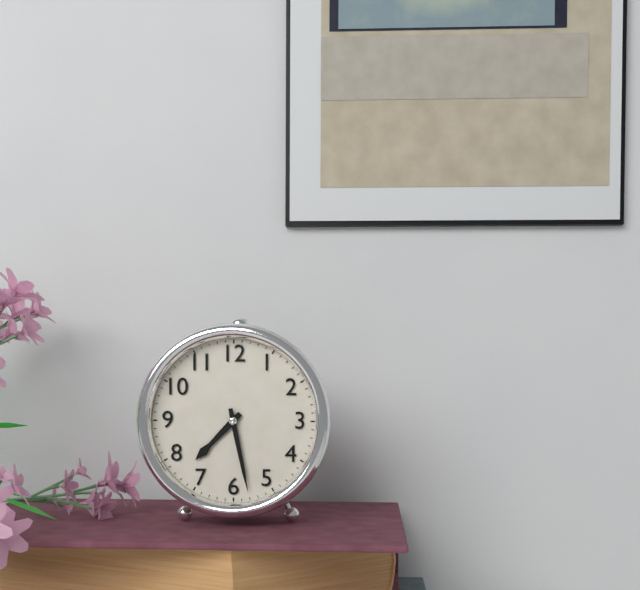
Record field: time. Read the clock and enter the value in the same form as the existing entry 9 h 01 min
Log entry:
7 h 28 min
